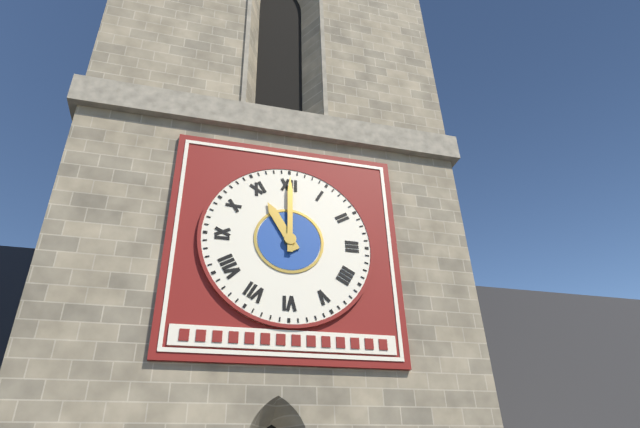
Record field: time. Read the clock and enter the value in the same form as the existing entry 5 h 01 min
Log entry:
11 h 00 min
